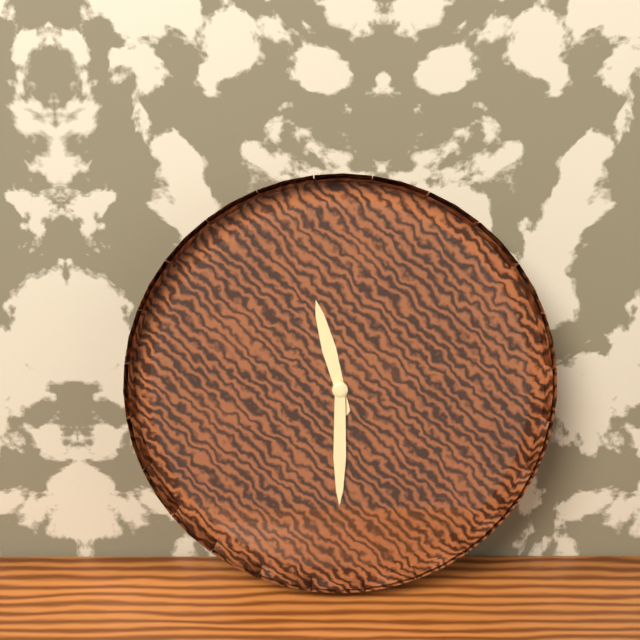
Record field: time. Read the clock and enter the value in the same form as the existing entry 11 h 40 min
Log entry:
11 h 30 min
